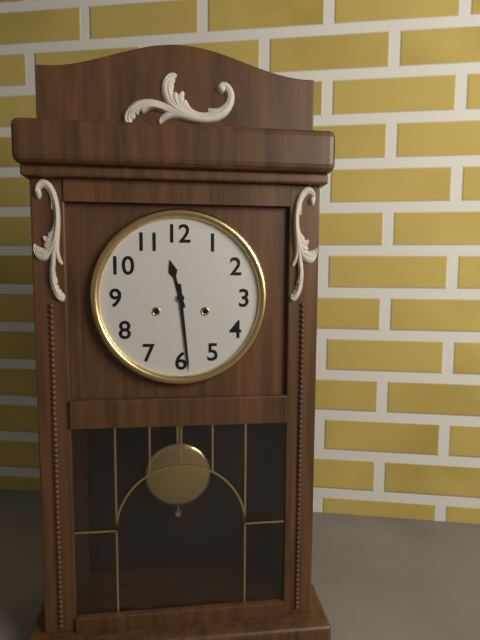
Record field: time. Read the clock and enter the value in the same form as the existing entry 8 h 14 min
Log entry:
11 h 29 min
